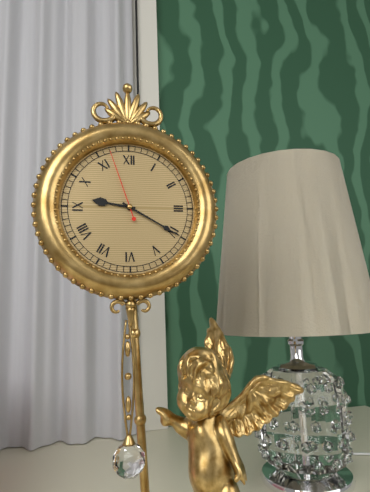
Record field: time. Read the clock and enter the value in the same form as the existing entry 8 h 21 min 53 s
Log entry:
9 h 20 min 57 s
